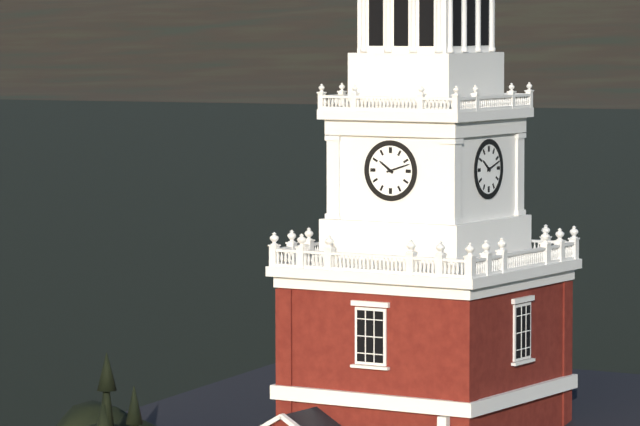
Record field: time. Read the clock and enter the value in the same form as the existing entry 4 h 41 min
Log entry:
10 h 12 min
